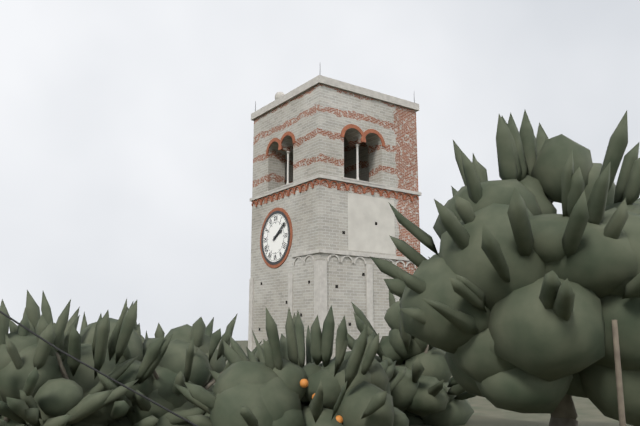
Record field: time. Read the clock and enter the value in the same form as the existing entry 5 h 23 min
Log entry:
2 h 09 min
